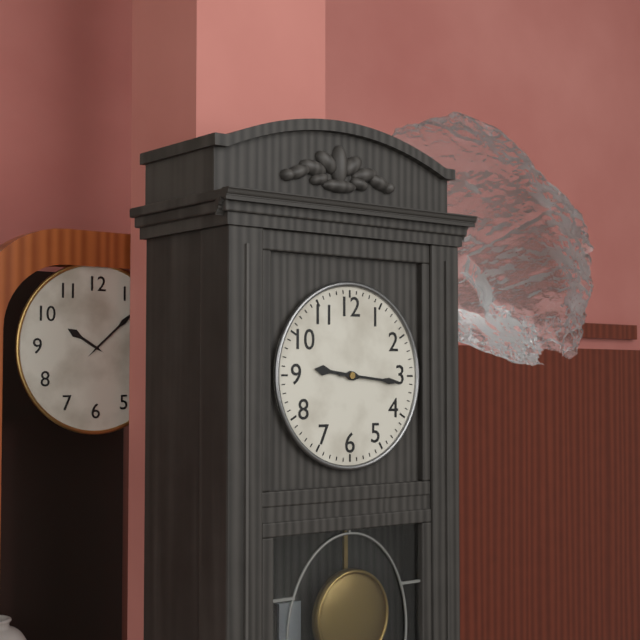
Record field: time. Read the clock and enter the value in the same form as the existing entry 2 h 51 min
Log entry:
9 h 16 min
